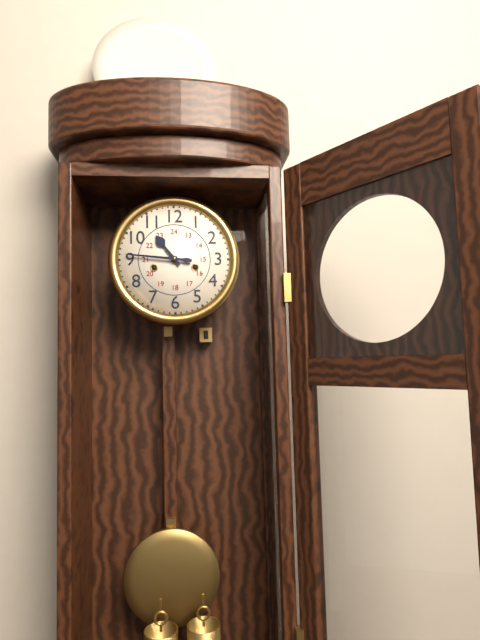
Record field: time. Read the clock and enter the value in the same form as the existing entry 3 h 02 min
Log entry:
10 h 46 min
